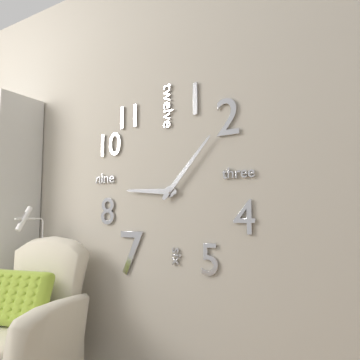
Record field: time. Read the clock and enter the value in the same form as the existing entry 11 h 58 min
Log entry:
9 h 07 min
